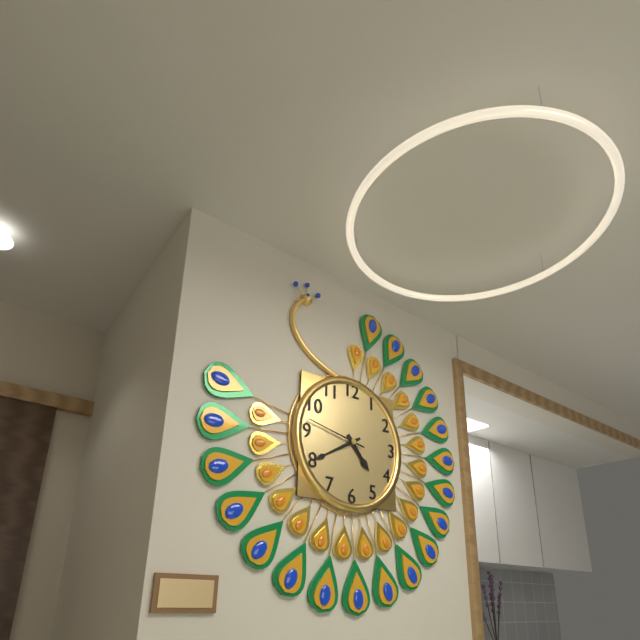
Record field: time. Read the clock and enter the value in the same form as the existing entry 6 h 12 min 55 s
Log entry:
4 h 40 min 47 s
